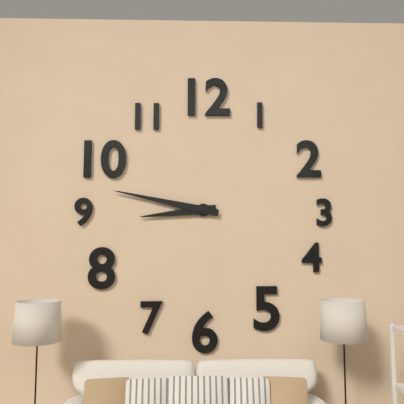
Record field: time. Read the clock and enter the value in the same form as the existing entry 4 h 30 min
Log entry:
8 h 47 min
